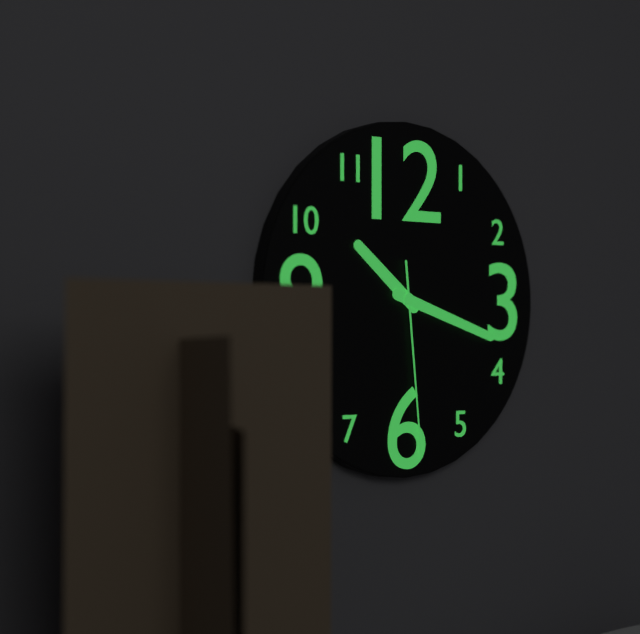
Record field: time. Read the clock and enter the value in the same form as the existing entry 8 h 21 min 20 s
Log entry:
10 h 18 min 29 s
